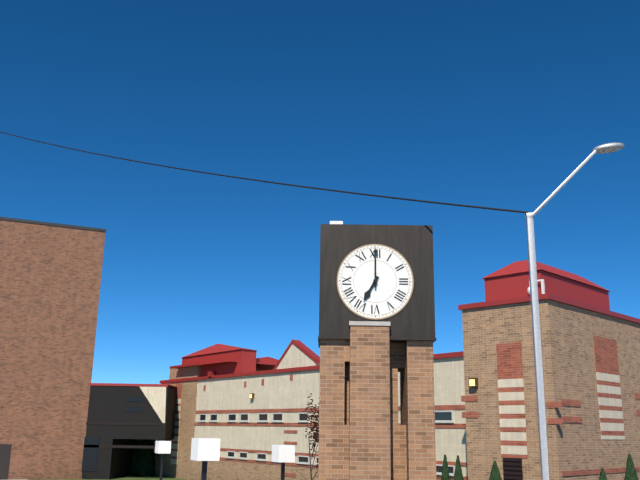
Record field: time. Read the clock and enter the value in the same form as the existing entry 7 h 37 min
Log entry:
7 h 00 min
